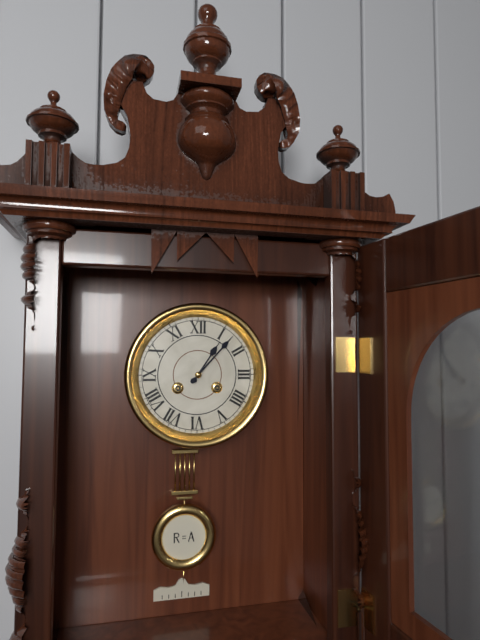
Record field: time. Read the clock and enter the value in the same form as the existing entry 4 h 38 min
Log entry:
1 h 07 min
